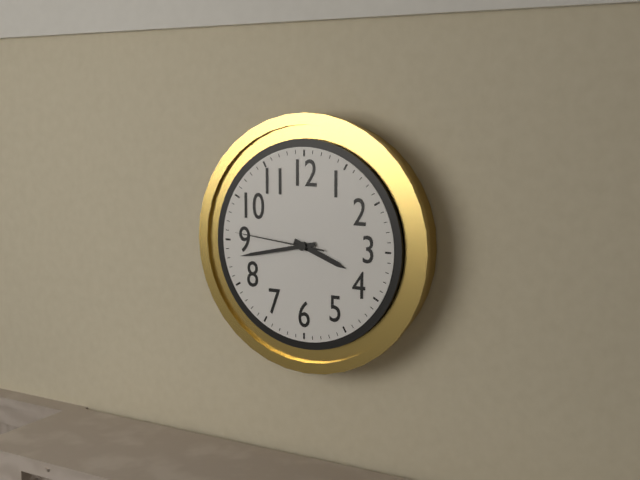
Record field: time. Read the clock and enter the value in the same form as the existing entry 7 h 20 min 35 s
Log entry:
3 h 43 min 46 s
